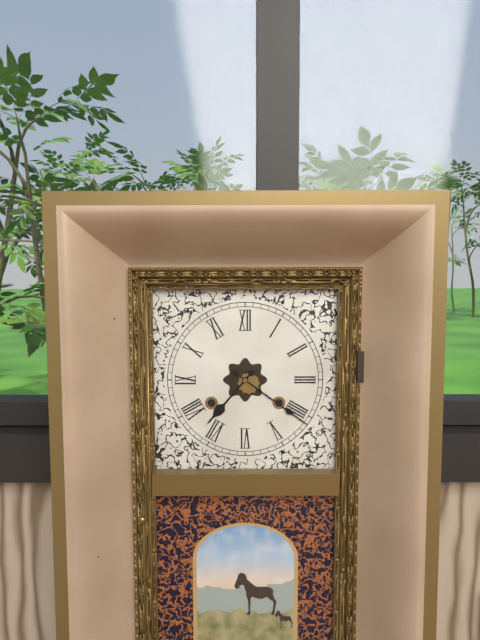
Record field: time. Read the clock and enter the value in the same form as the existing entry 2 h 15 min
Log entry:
7 h 21 min
